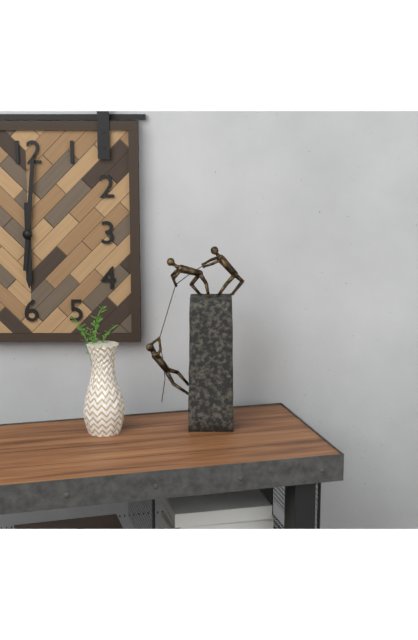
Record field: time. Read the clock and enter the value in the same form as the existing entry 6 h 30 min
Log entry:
6 h 01 min
